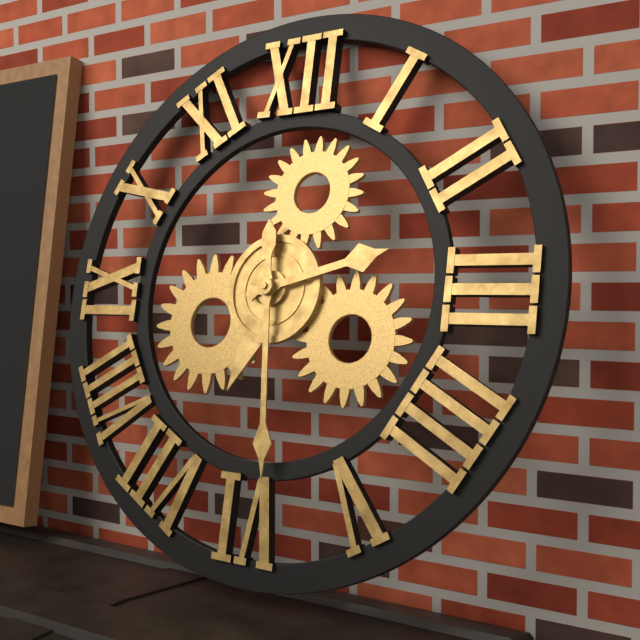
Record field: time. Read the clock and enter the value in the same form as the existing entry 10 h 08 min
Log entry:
2 h 29 min
